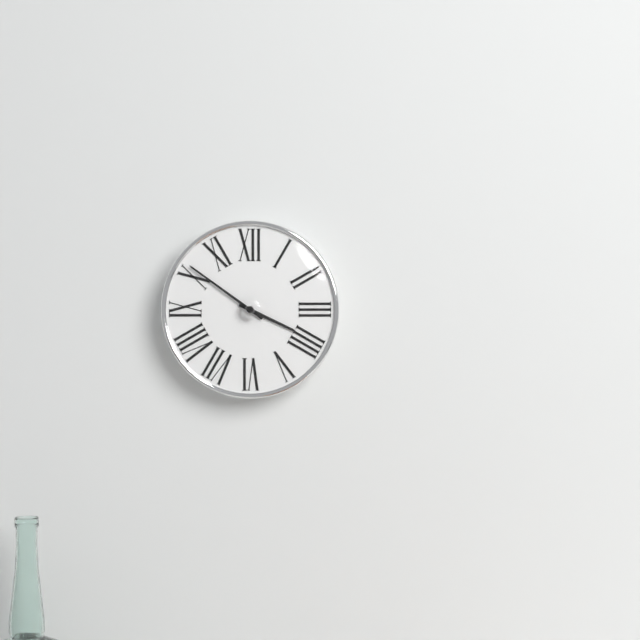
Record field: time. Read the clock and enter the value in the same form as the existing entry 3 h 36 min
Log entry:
3 h 51 min
